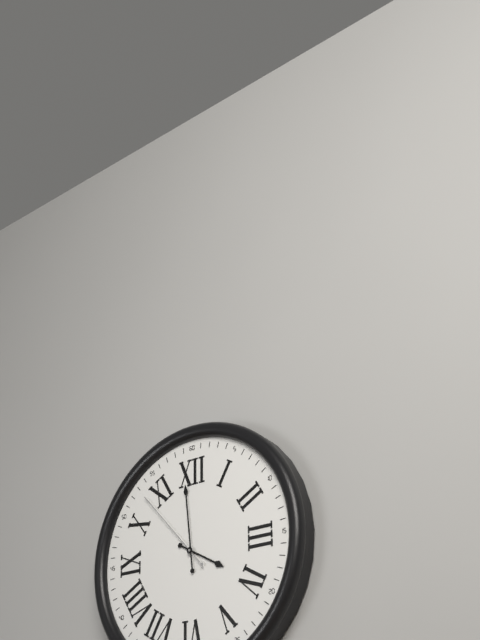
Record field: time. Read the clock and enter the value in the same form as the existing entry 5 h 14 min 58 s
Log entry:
3 h 59 min 53 s
